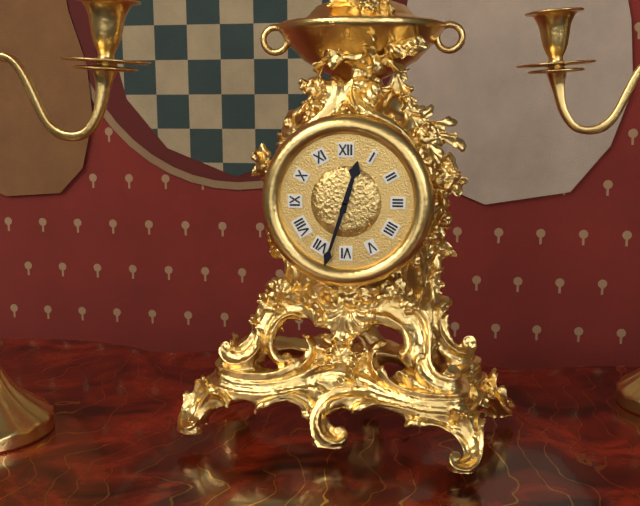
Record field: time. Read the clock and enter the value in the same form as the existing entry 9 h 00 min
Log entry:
12 h 33 min
